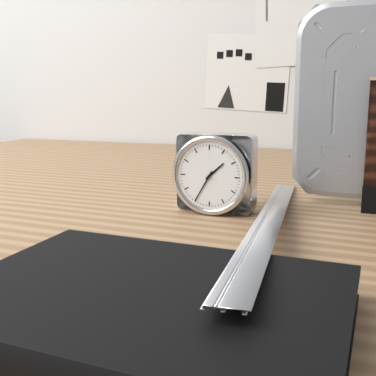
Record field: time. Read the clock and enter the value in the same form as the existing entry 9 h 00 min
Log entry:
1 h 35 min
